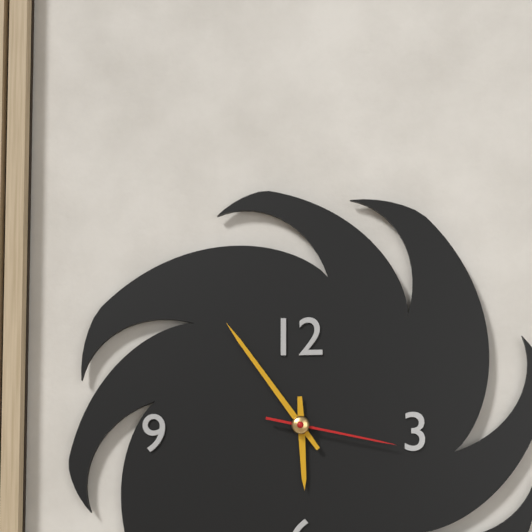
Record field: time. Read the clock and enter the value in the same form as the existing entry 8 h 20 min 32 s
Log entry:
5 h 54 min 17 s
